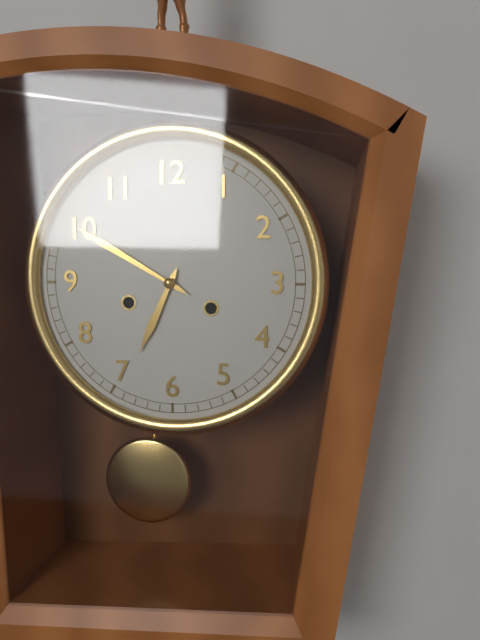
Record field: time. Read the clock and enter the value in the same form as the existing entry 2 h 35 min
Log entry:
6 h 50 min
